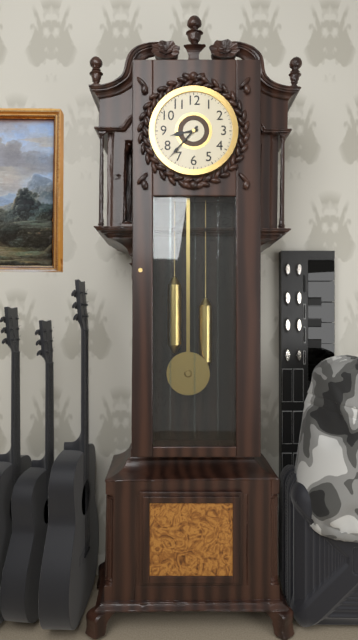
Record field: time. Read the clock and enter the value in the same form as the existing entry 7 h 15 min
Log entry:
8 h 37 min
